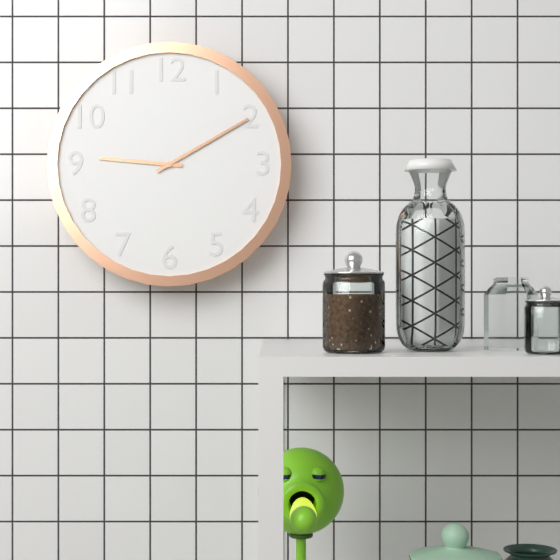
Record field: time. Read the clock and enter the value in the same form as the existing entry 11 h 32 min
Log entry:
9 h 10 min
